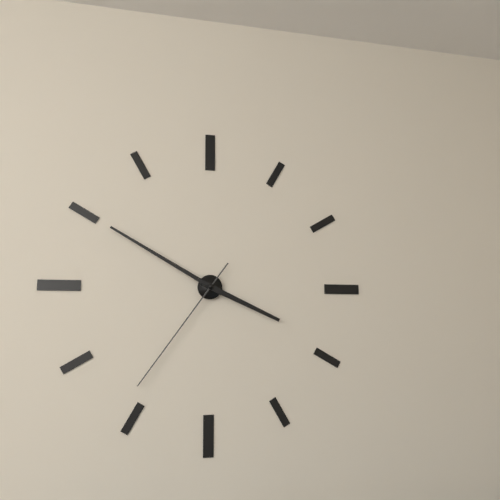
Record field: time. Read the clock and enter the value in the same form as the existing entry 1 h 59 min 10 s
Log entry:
3 h 50 min 36 s
